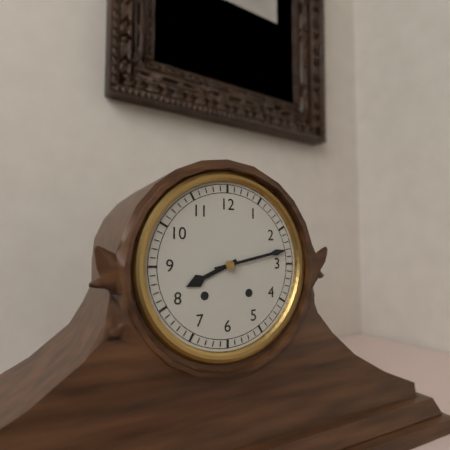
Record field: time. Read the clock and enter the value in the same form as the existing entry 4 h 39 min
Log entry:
8 h 13 min
